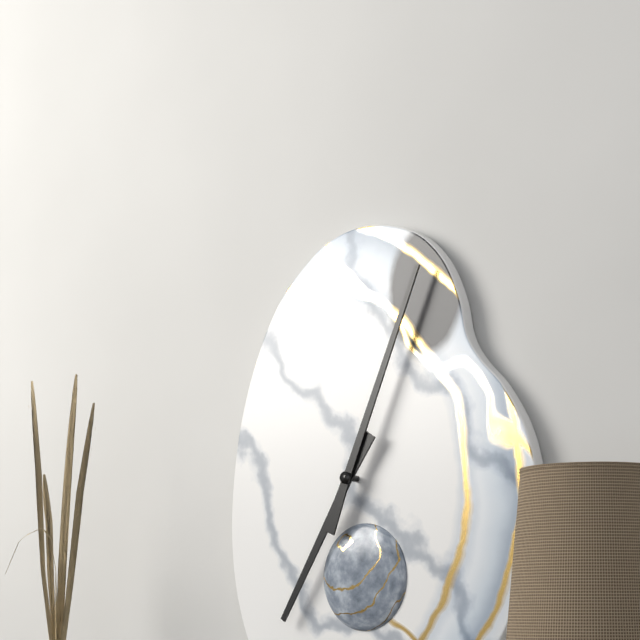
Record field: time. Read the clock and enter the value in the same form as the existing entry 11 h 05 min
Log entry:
7 h 04 min
